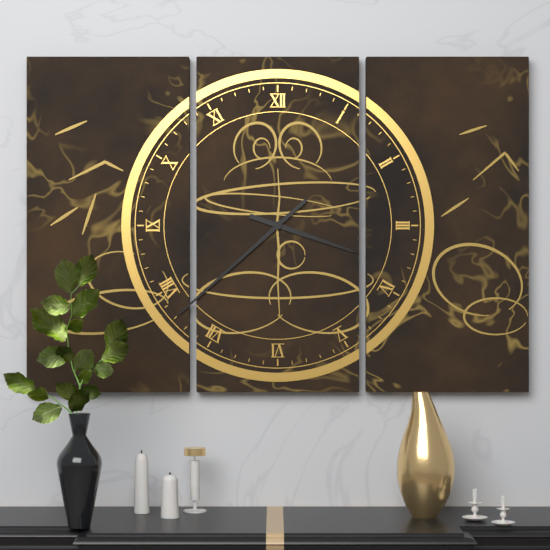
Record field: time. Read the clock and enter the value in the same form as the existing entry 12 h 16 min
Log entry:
3 h 38 min
